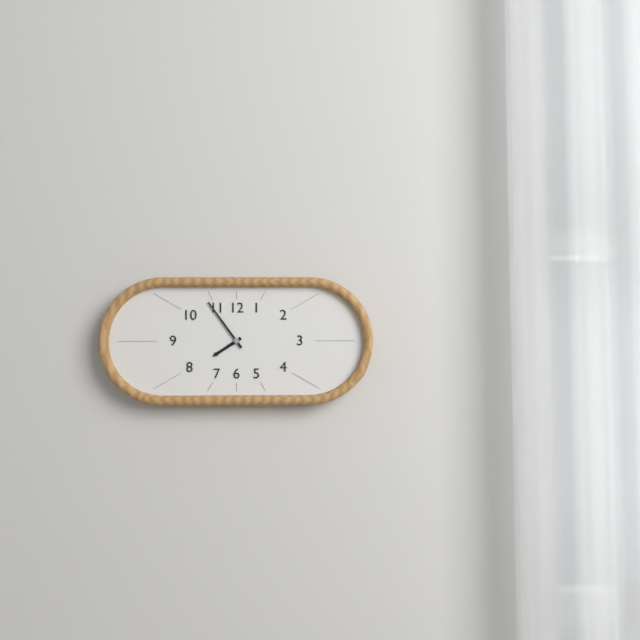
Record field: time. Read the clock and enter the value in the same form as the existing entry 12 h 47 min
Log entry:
7 h 54 min
